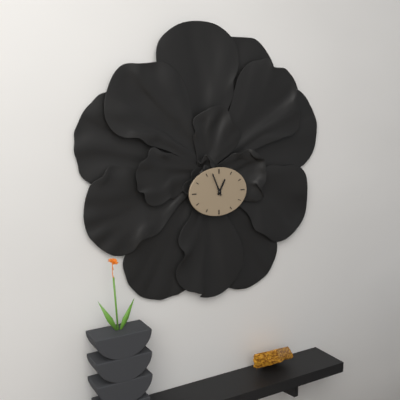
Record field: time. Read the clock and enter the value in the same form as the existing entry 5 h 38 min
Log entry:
12 h 56 min
